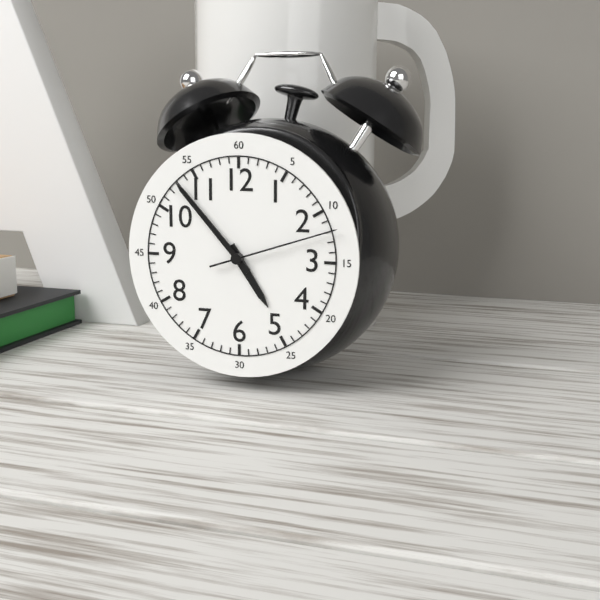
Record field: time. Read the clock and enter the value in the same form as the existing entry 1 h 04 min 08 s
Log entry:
4 h 53 min 12 s
